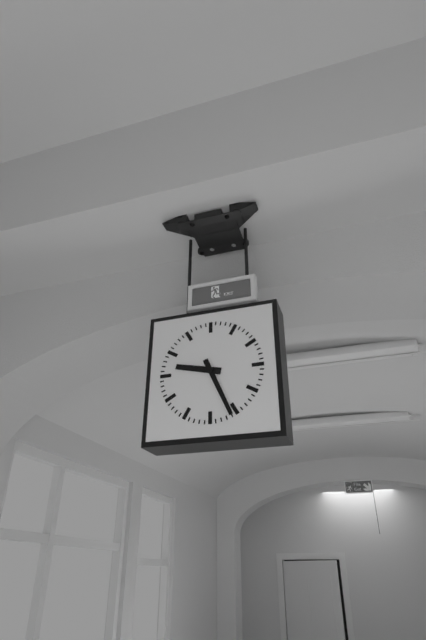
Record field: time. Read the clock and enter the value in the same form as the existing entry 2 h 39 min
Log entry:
9 h 26 min
